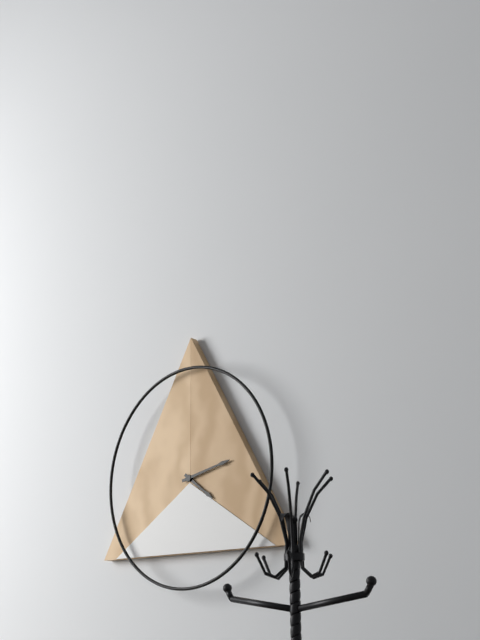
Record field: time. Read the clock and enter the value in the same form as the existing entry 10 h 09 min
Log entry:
4 h 13 min
